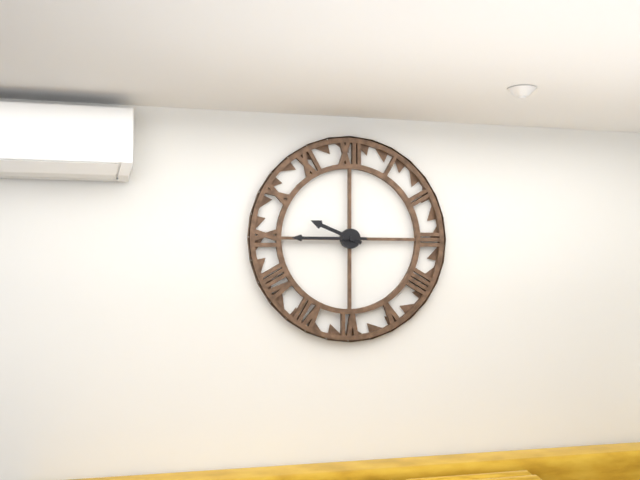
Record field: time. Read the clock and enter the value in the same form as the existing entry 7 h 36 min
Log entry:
9 h 45 min
